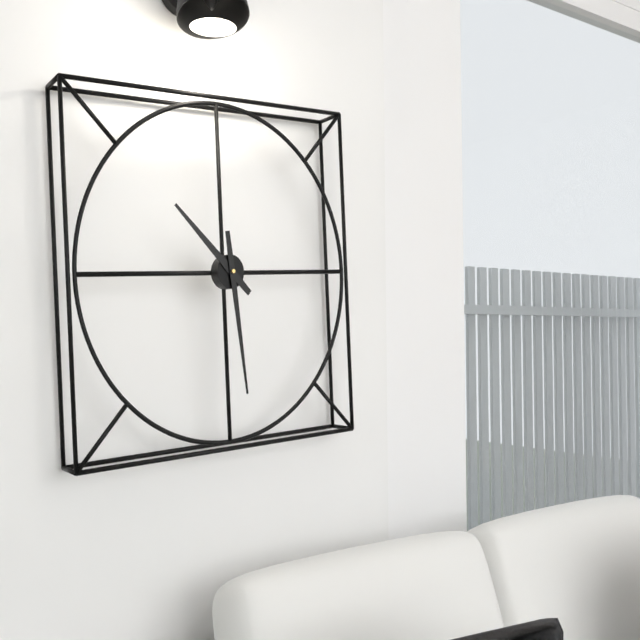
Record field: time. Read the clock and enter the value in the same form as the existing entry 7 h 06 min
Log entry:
10 h 29 min
